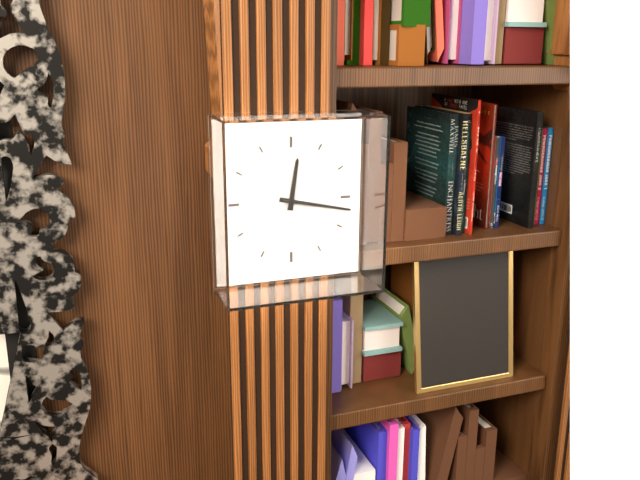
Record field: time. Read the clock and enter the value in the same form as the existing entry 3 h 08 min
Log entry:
12 h 17 min
